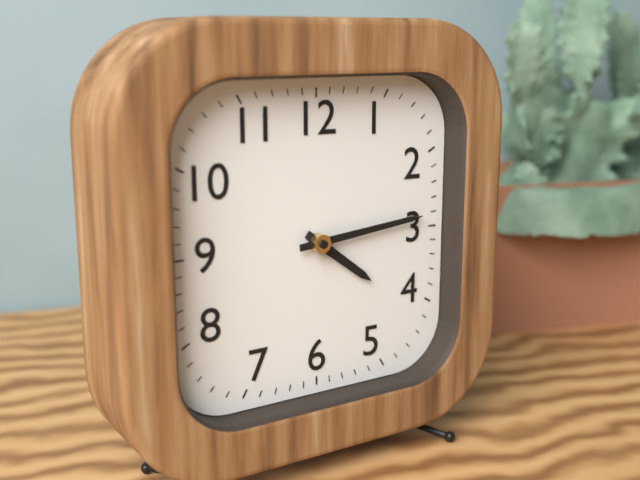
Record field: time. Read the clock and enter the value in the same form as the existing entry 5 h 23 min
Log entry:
4 h 14 min
